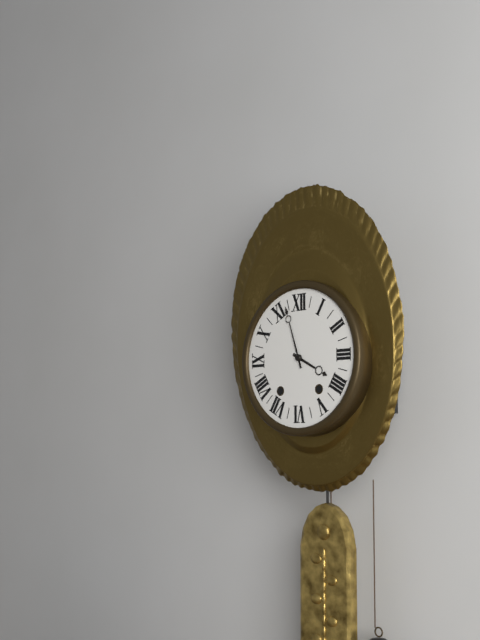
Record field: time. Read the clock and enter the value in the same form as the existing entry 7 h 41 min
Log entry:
3 h 57 min
